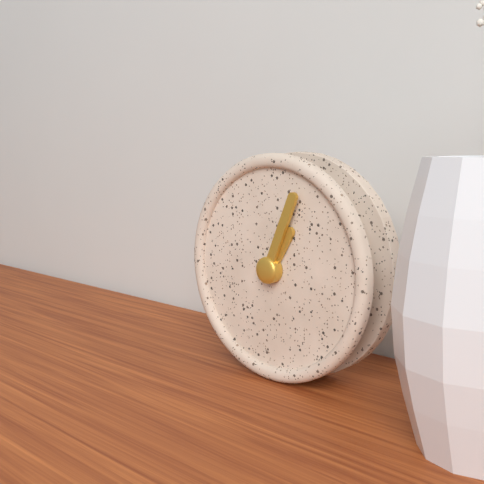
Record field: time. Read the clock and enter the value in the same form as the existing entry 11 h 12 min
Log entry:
1 h 04 min
